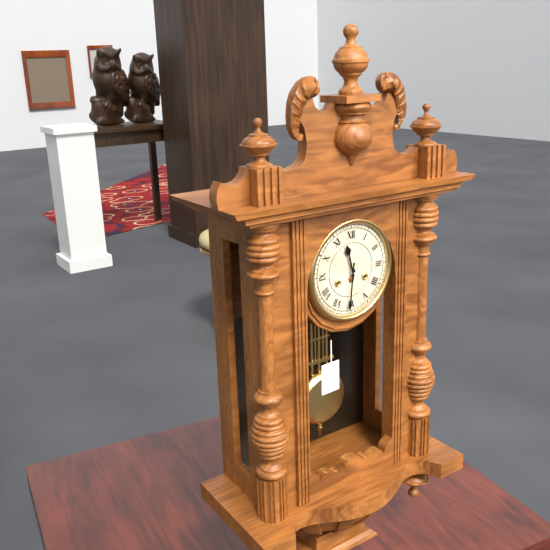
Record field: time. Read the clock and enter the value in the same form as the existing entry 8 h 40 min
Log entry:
11 h 31 min
